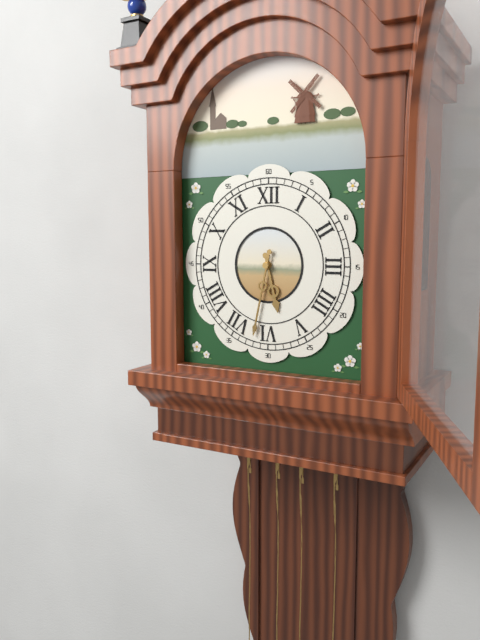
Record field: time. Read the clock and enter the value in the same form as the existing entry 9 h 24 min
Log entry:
5 h 32 min
